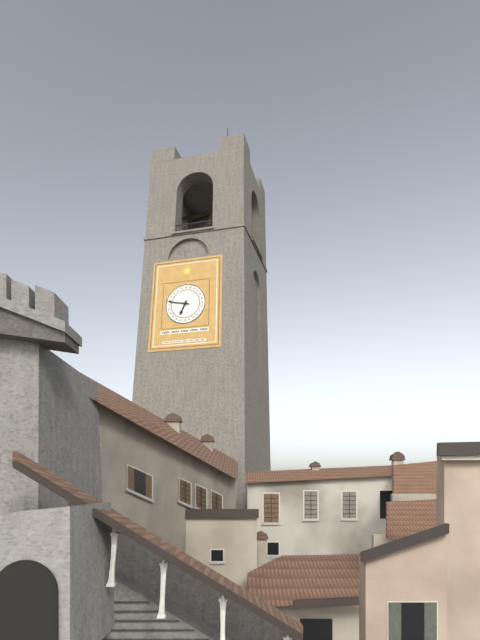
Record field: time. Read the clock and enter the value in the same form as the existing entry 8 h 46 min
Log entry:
6 h 47 min
